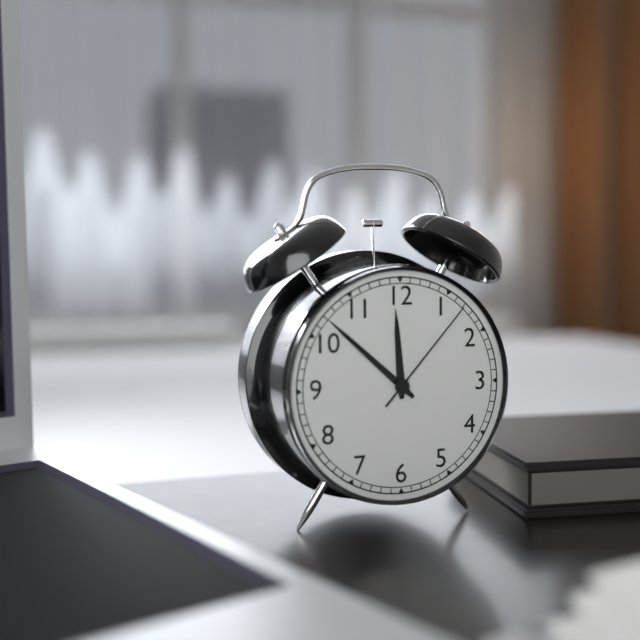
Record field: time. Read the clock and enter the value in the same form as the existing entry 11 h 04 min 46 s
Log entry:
11 h 52 min 07 s
